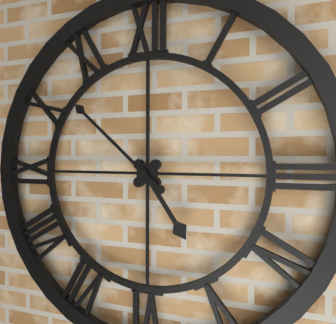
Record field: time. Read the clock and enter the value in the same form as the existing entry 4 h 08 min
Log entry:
4 h 52 min
